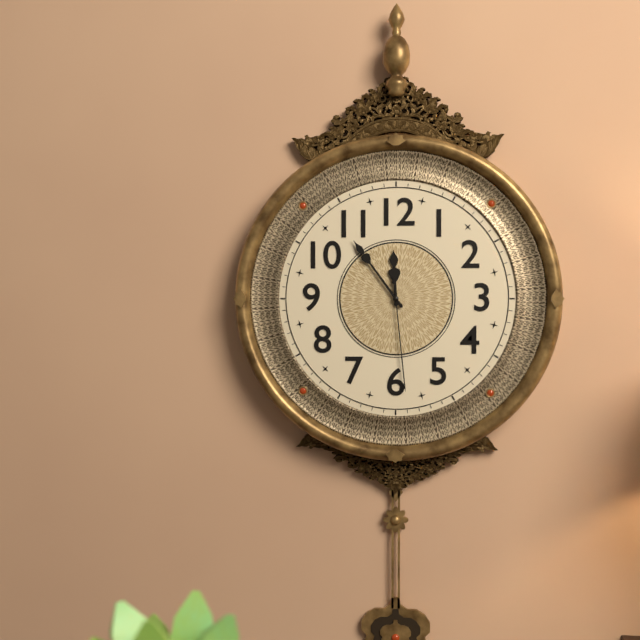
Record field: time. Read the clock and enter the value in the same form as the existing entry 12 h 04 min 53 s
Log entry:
11 h 54 min 29 s
